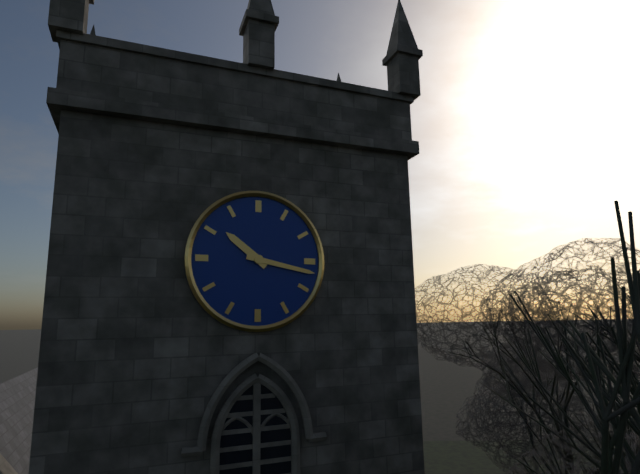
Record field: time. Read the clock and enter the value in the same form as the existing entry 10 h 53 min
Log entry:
10 h 17 min
